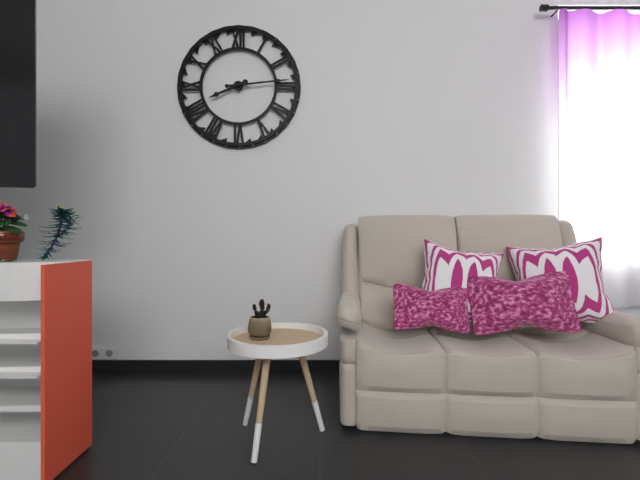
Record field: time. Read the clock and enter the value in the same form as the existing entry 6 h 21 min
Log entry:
8 h 14 min
